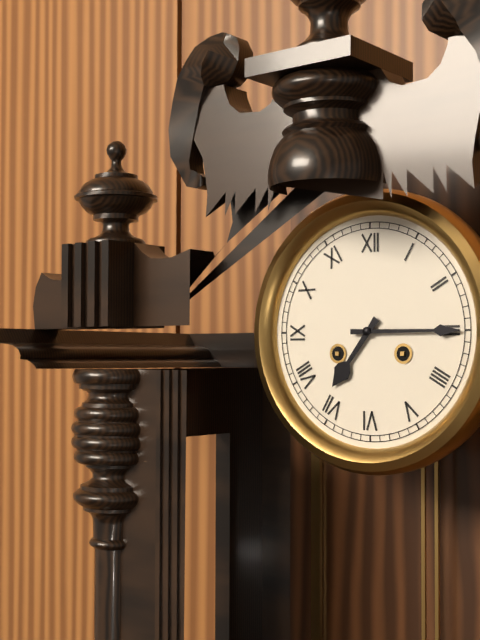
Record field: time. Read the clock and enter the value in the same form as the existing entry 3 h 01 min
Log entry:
7 h 15 min
